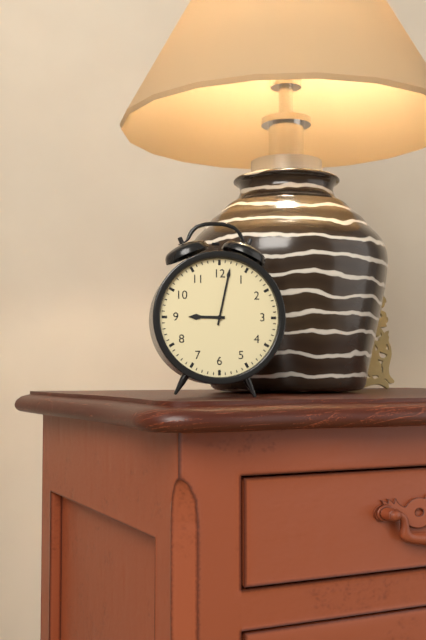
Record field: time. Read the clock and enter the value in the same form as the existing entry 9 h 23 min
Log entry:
9 h 02 min
